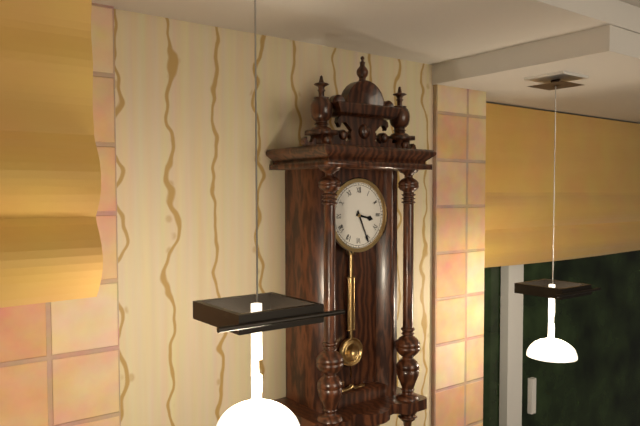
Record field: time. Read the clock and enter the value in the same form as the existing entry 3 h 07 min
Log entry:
3 h 26 min
